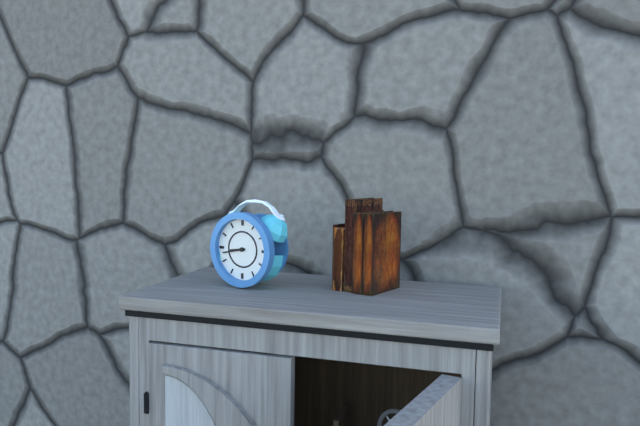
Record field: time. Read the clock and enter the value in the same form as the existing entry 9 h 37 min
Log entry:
8 h 43 min
